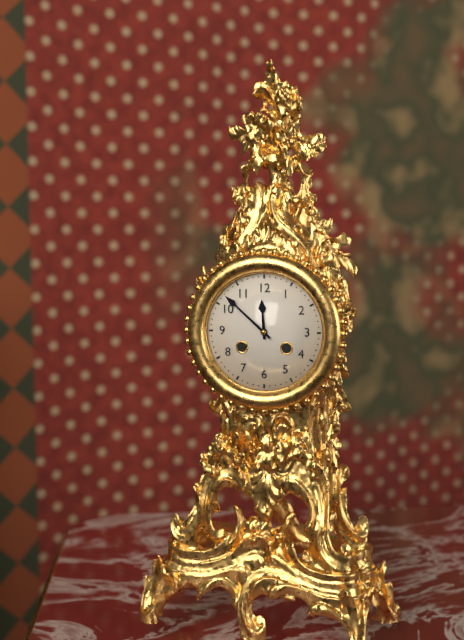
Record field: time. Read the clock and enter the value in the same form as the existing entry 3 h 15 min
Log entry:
11 h 52 min
